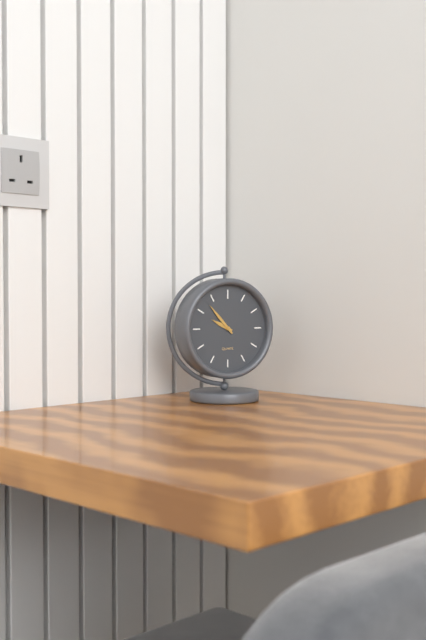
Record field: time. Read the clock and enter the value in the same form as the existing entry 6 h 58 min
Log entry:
9 h 53 min
